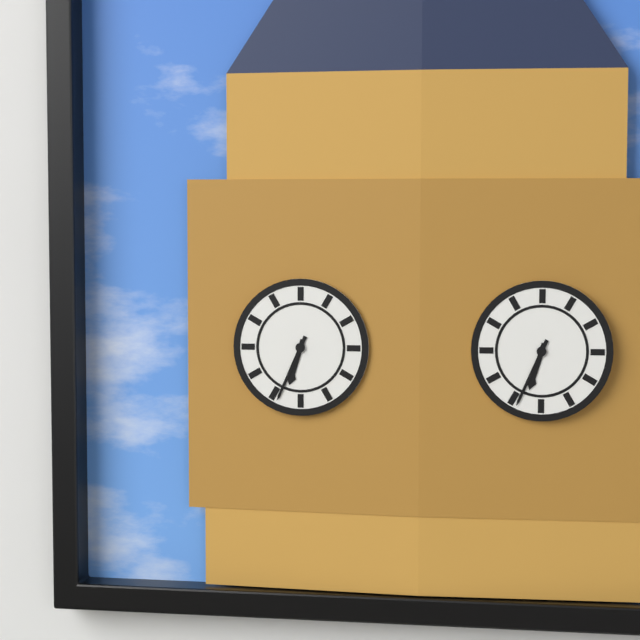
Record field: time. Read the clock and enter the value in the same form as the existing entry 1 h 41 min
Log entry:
6 h 34 min
